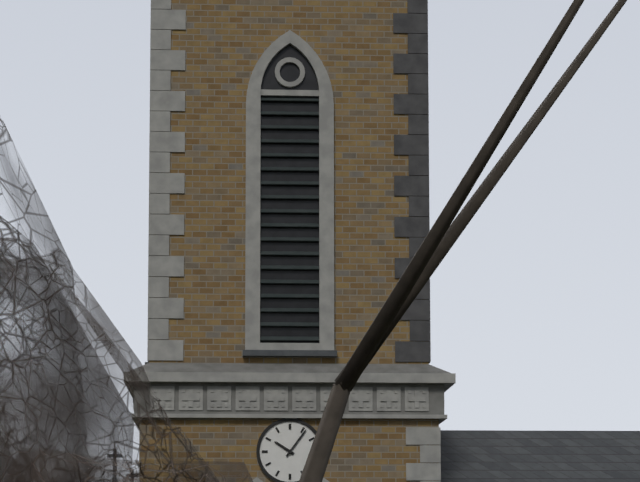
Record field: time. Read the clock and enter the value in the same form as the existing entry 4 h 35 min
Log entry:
10 h 06 min
